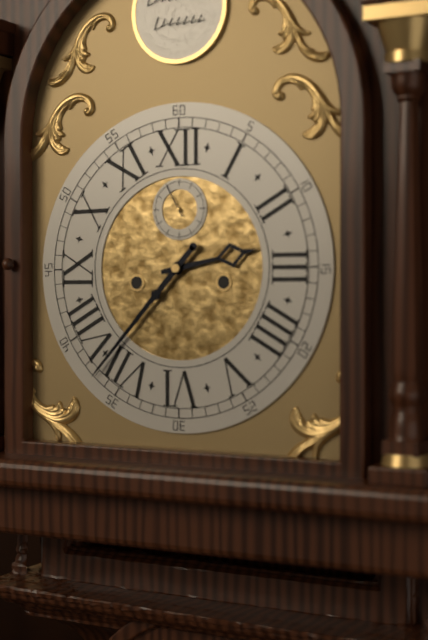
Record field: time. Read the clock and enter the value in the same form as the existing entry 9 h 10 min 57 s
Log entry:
2 h 37 min 55 s
